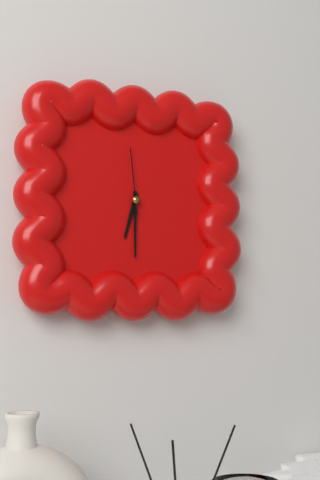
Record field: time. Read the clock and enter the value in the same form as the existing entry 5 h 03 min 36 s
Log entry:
6 h 30 min 59 s
